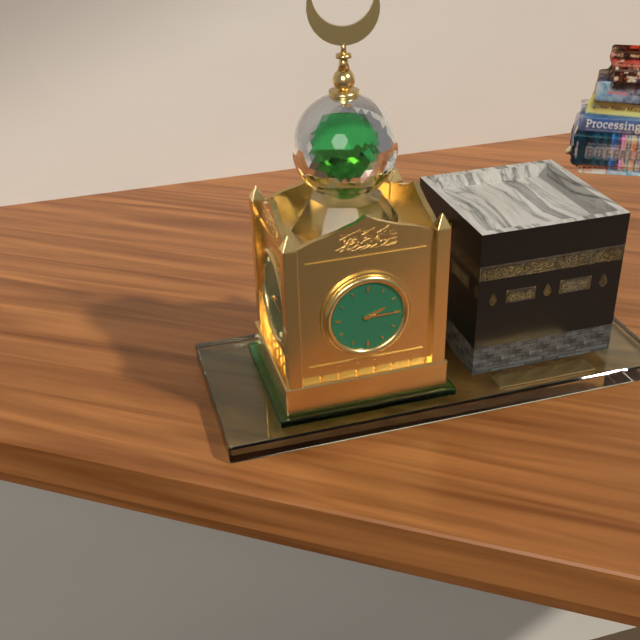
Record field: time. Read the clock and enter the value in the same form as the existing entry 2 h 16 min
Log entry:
2 h 15 min
